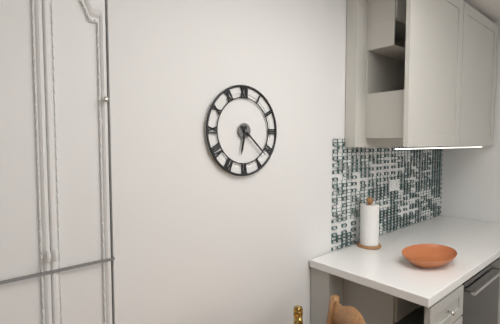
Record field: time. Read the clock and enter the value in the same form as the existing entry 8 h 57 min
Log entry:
6 h 22 min
